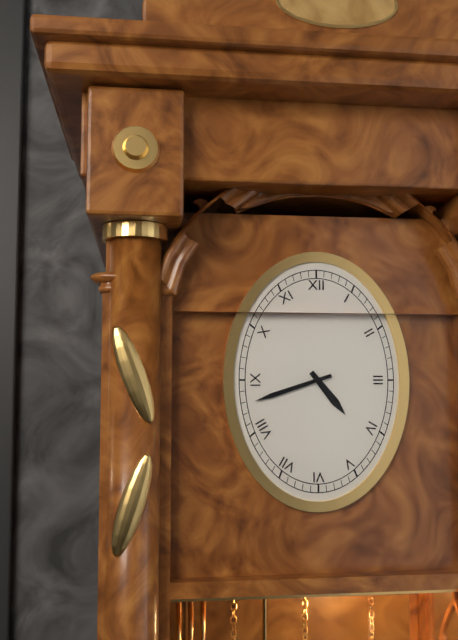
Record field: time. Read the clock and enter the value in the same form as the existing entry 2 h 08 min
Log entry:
4 h 42 min
